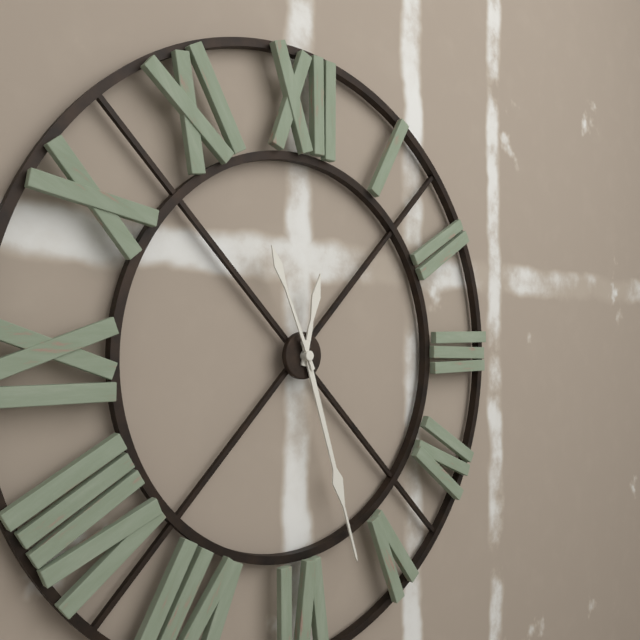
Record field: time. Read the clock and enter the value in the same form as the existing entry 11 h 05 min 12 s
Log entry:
12 h 27 min 56 s
